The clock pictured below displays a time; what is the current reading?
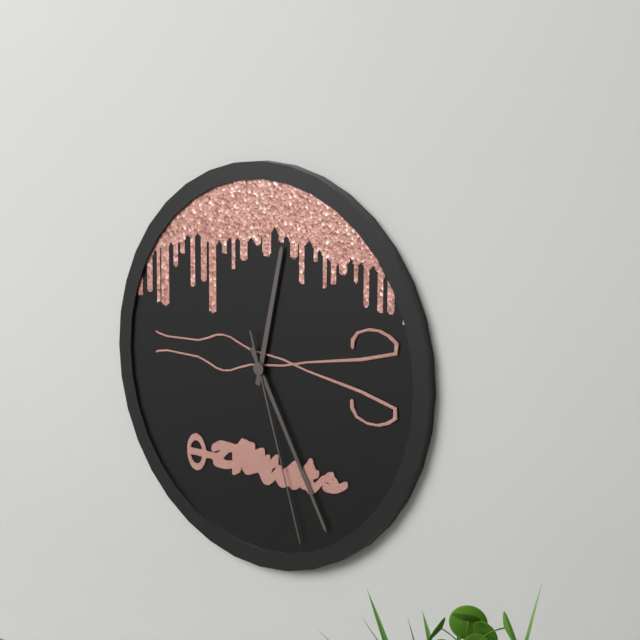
12:25:27
